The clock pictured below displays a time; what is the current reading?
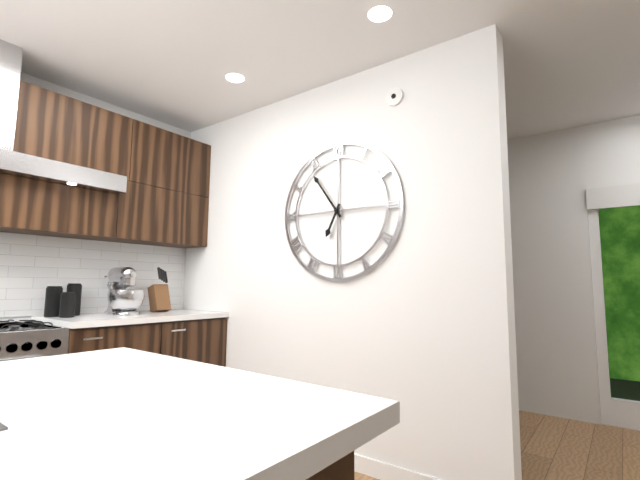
6:54
